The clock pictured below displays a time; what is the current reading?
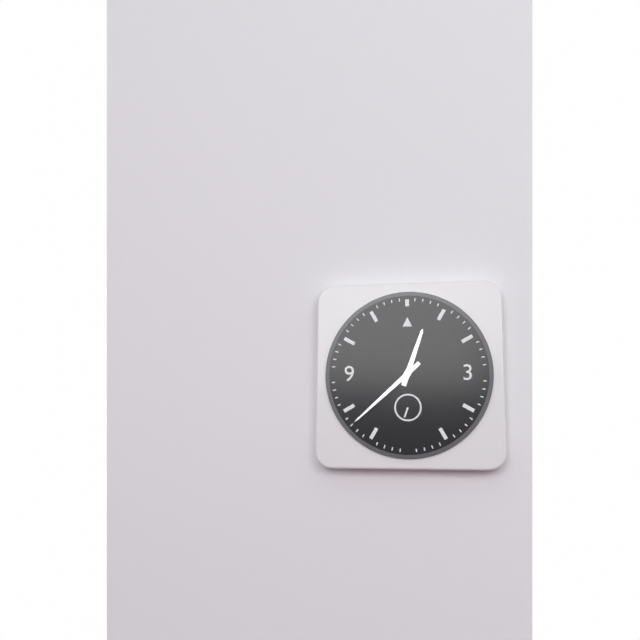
12:38
